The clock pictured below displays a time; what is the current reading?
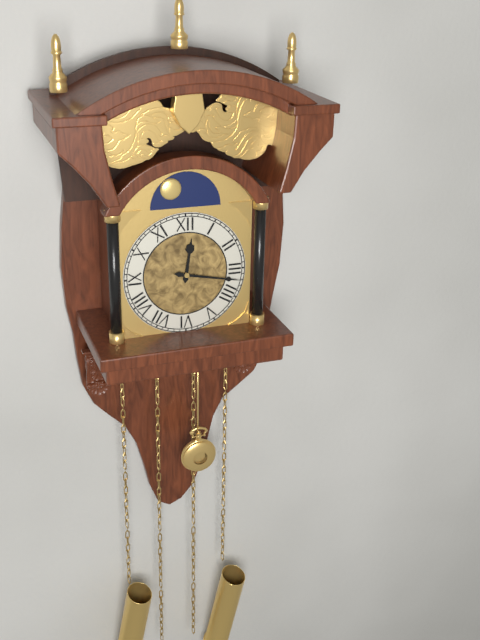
12:17
